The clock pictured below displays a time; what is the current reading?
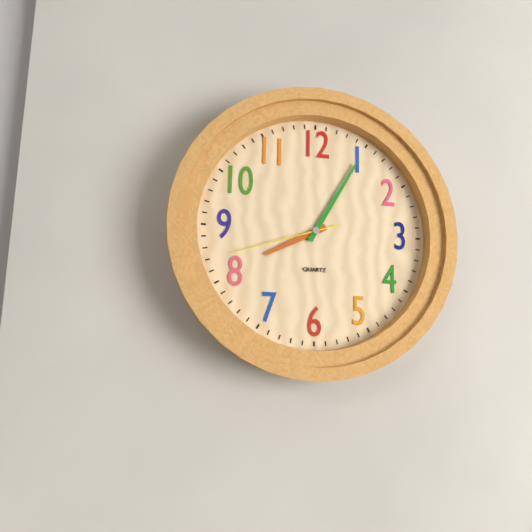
8:05:42
